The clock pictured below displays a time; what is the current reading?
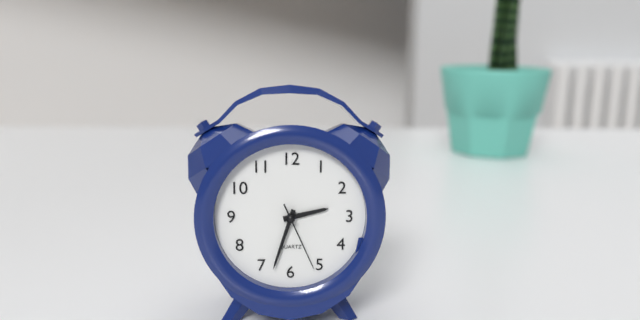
2:33:26
